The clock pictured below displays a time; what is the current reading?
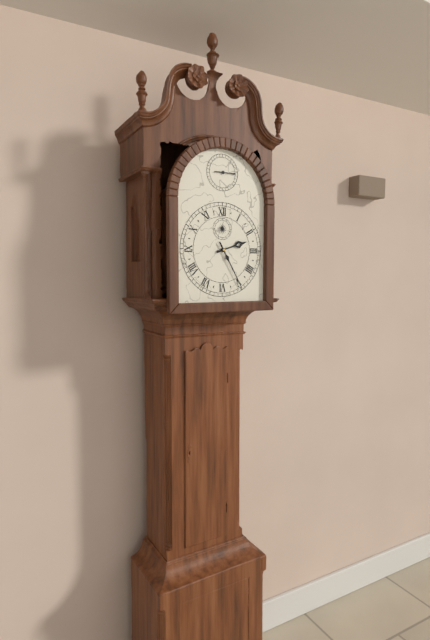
2:25
